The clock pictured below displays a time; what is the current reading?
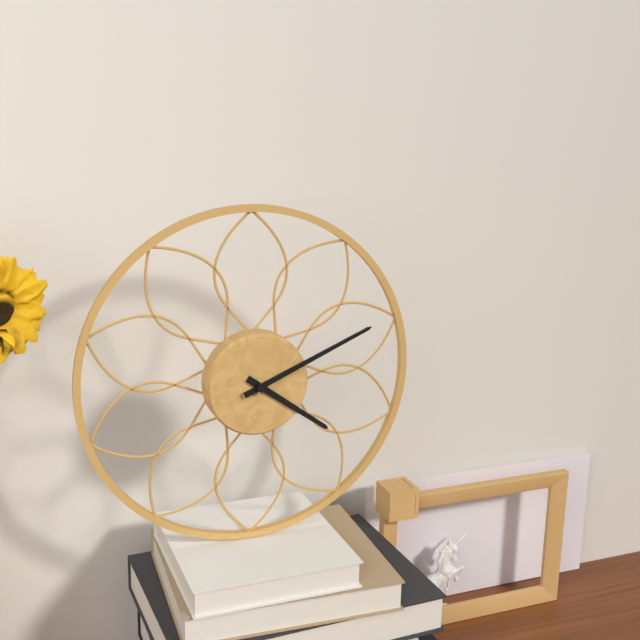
4:11
